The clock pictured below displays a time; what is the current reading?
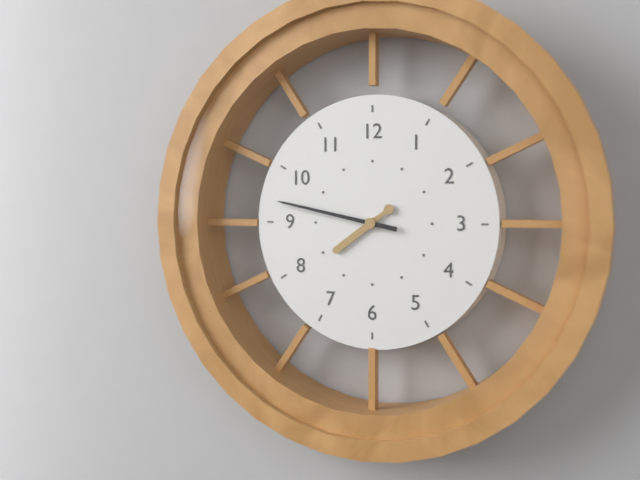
7:47
